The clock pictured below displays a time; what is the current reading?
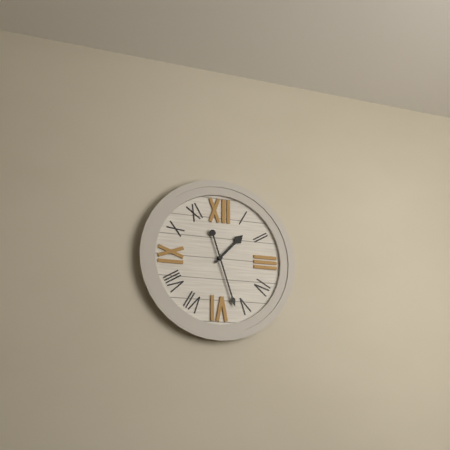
1:27
